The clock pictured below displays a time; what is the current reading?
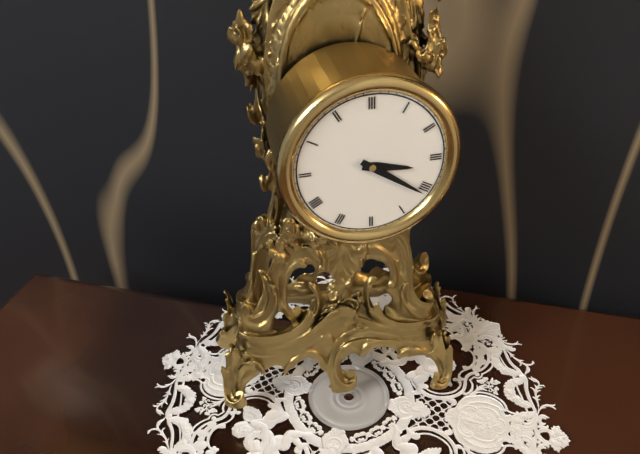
3:21
